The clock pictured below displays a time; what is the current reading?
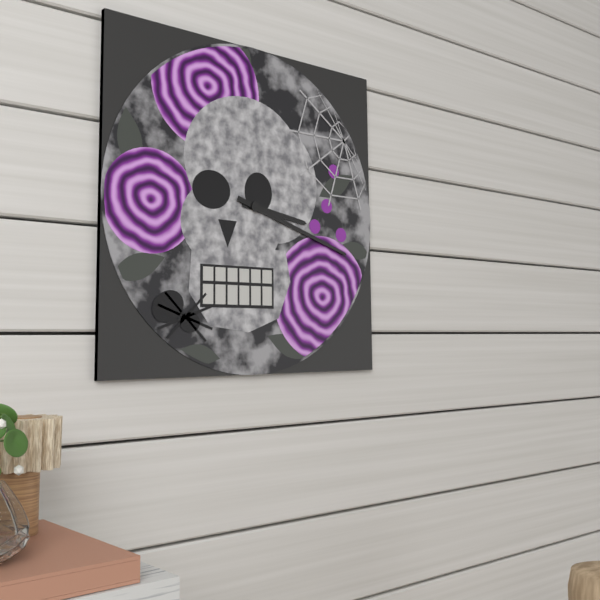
3:18
